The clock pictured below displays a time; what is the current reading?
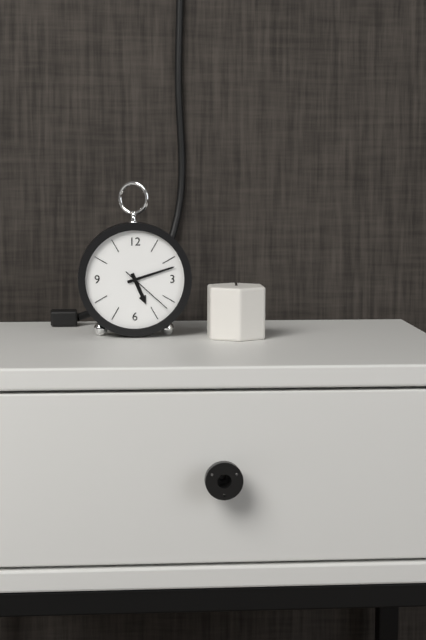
5:12:22
